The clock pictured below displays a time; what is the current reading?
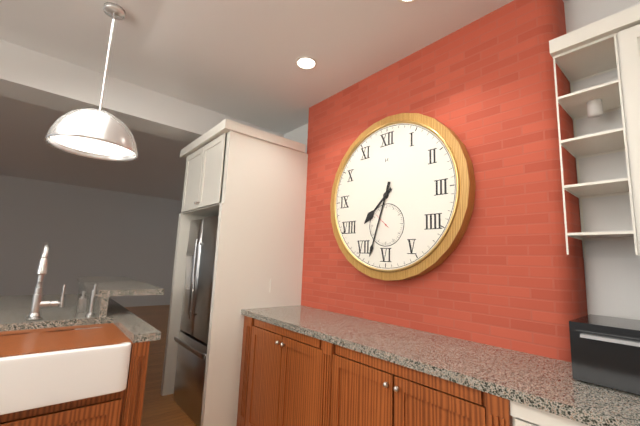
7:33
